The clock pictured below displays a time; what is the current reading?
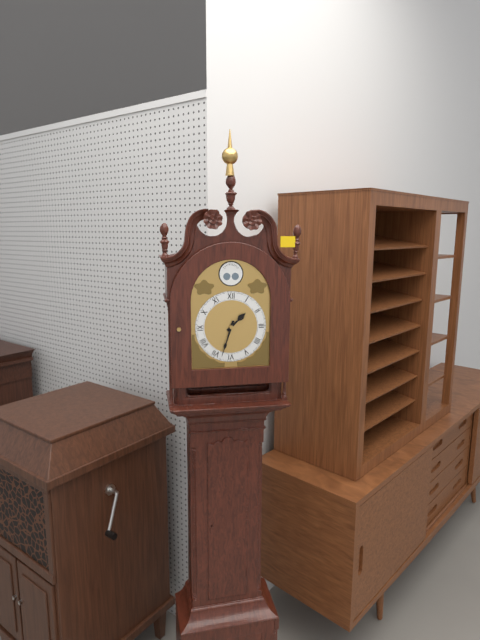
1:33
